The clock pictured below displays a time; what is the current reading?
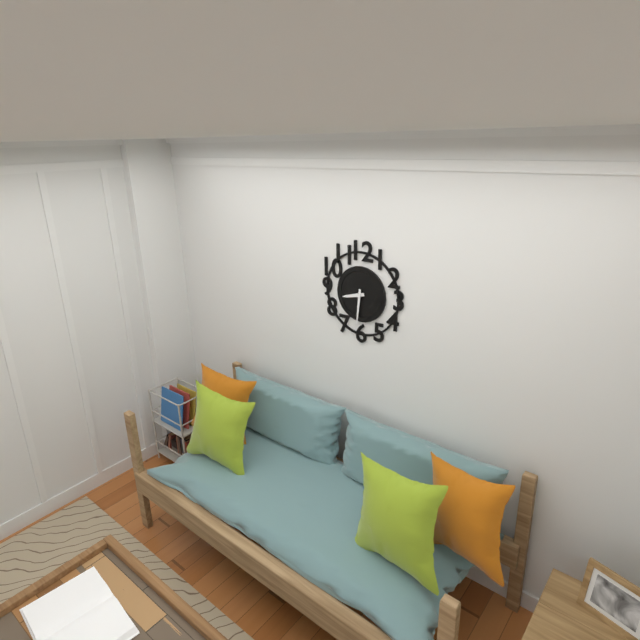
8:31
